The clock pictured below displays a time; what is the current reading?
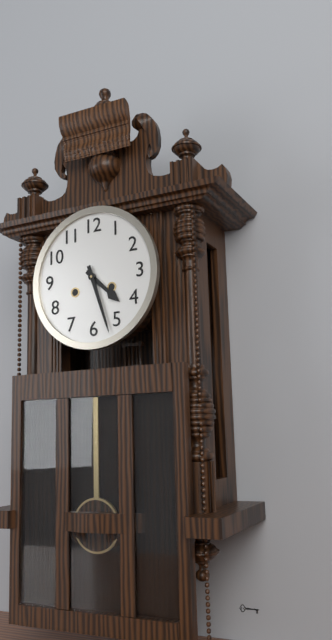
4:27
